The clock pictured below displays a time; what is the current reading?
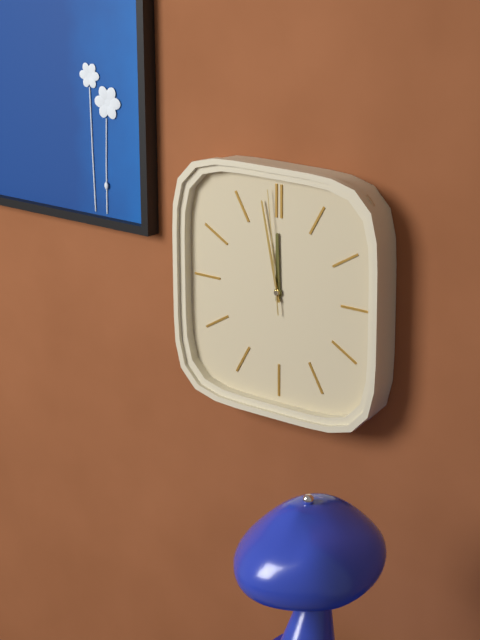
11:58:59
